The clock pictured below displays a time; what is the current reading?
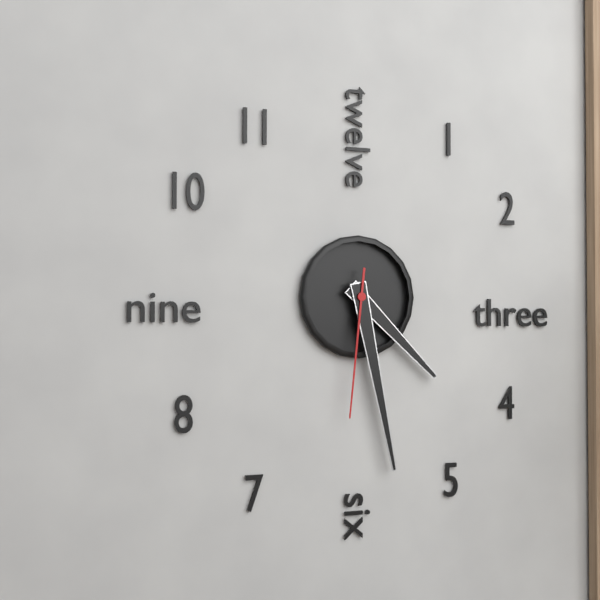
4:28:31
